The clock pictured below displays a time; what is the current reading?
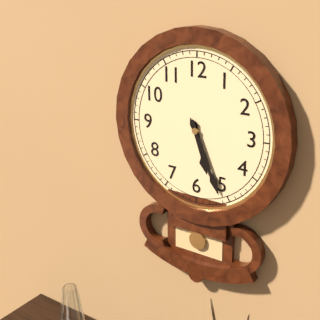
5:26
